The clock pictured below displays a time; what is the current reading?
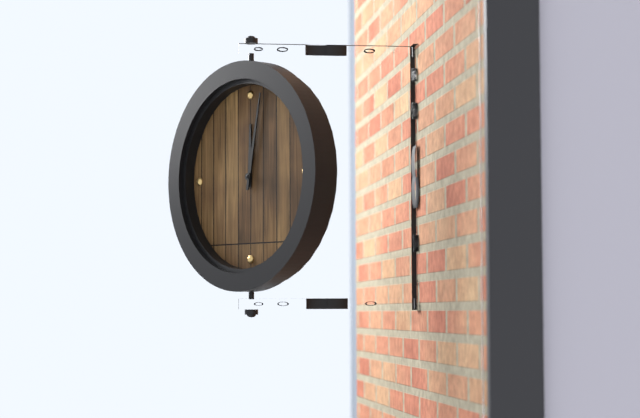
12:02
